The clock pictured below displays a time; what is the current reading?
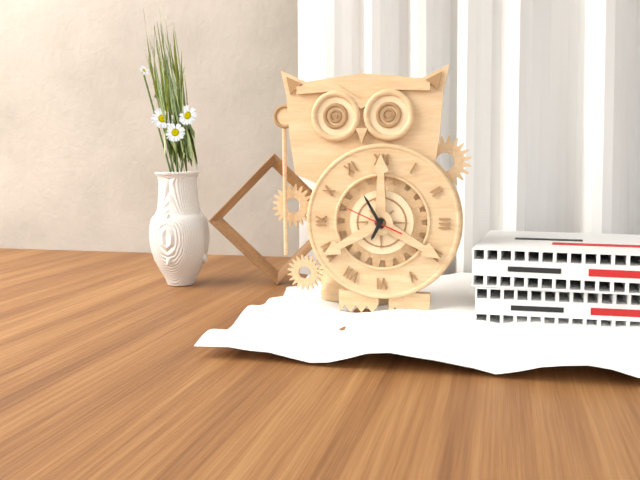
6:55
